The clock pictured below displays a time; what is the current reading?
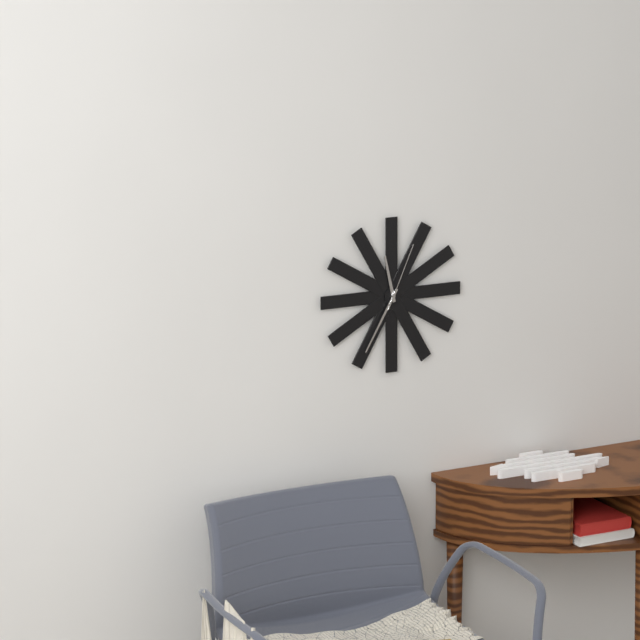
11:35:04
